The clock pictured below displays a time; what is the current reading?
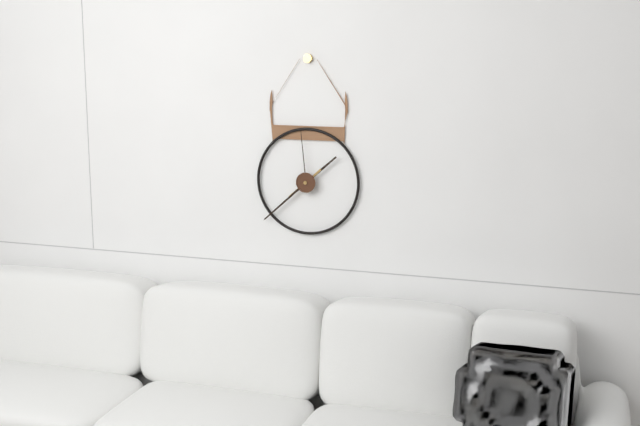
1:38:59
